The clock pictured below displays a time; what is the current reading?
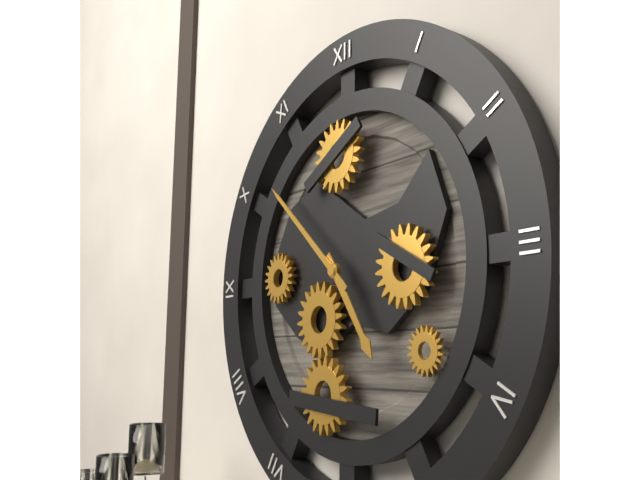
4:52
